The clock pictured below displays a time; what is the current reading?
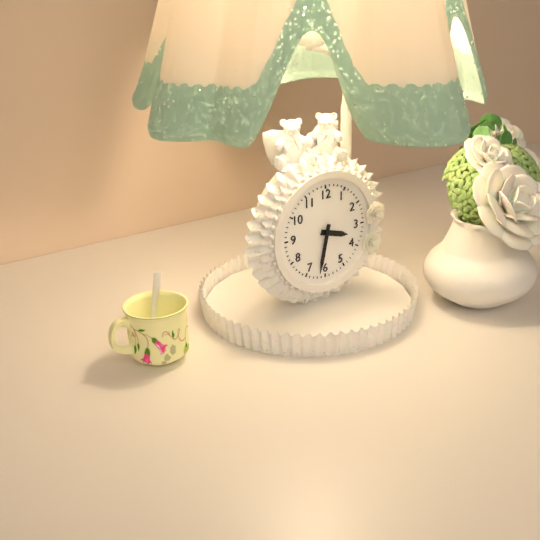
3:32
